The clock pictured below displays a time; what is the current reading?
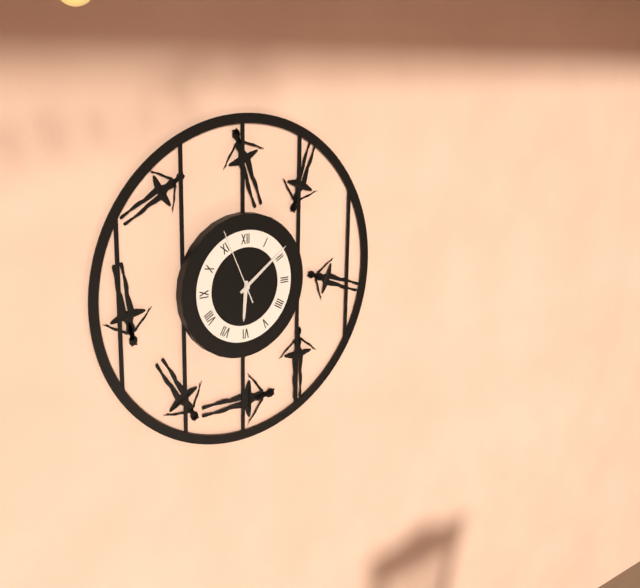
6:09:56
